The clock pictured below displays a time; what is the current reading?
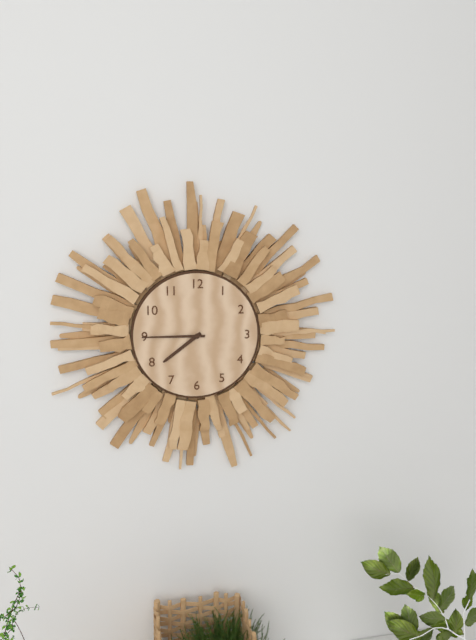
7:45
